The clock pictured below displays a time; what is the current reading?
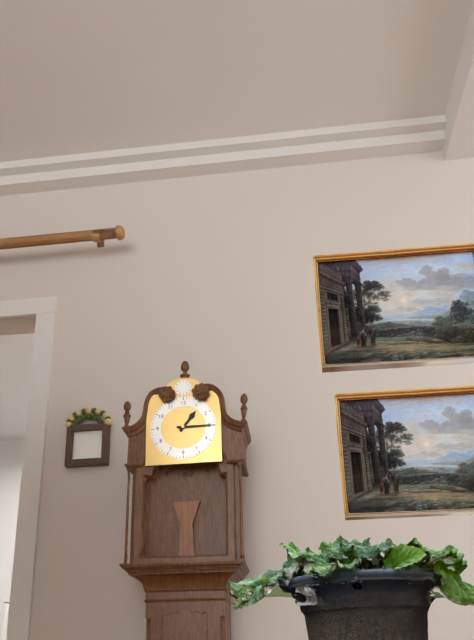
1:15
